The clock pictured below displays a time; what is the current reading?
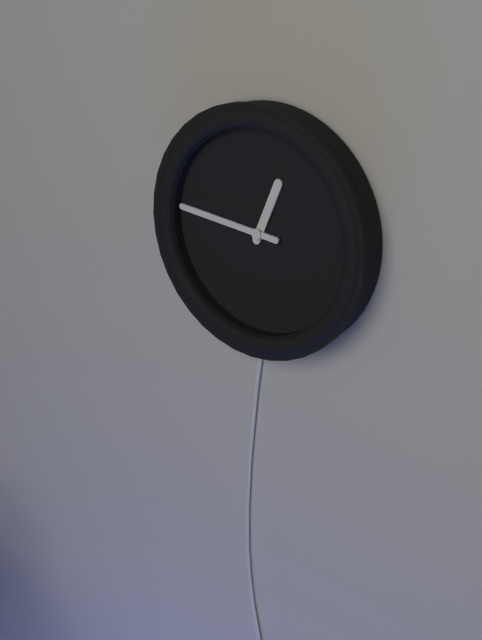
12:46
